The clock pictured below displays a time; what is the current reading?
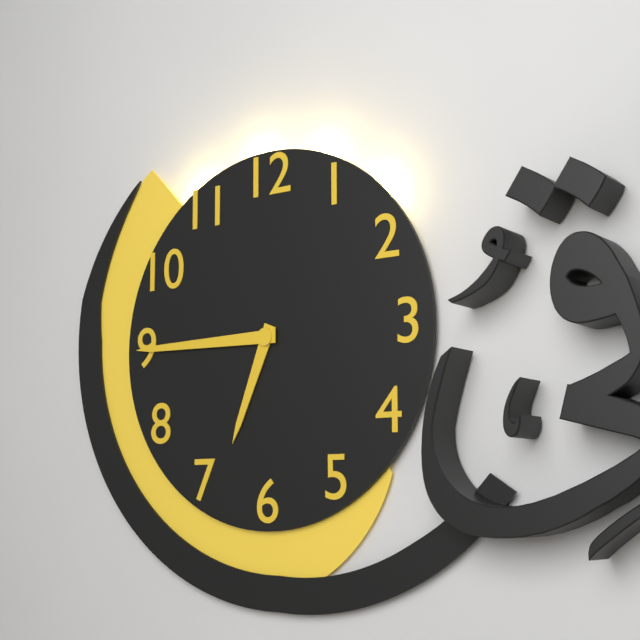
6:45
